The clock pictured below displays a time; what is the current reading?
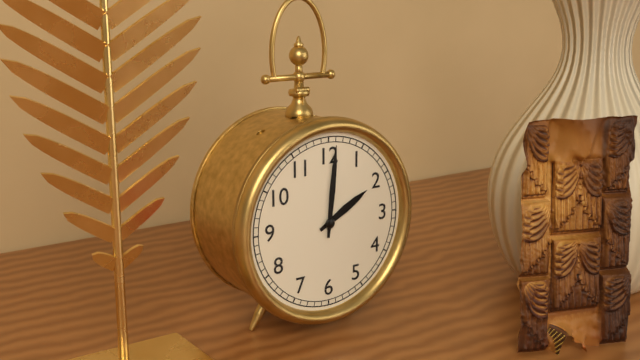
2:01
